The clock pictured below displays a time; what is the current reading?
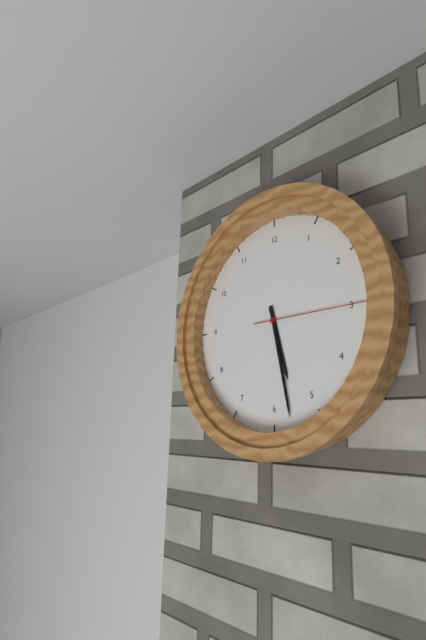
5:28:15
